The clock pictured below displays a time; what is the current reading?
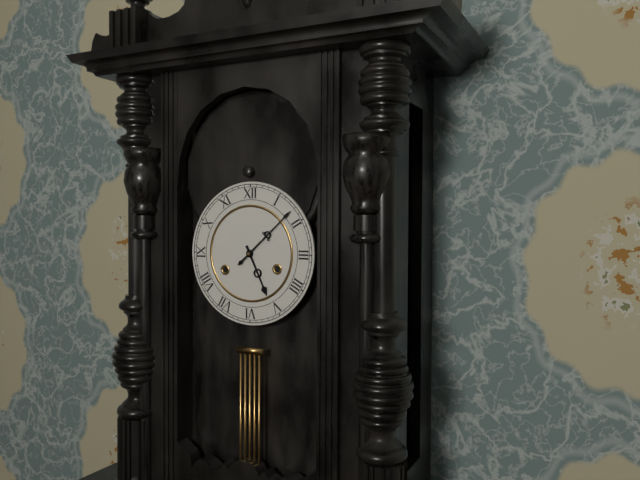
5:08
